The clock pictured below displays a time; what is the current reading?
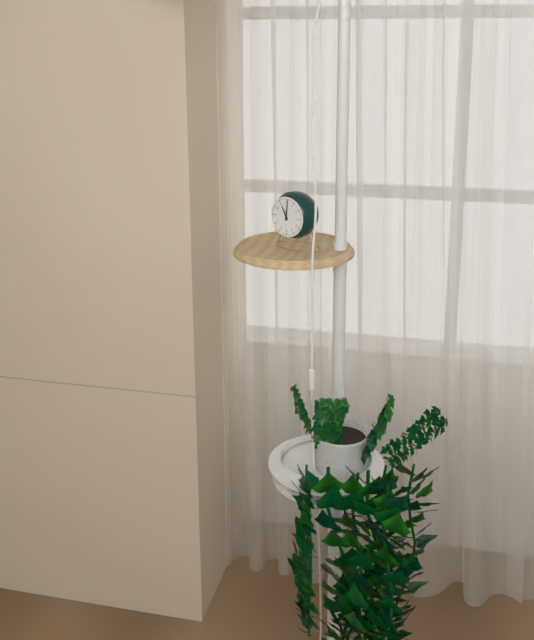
11:01
